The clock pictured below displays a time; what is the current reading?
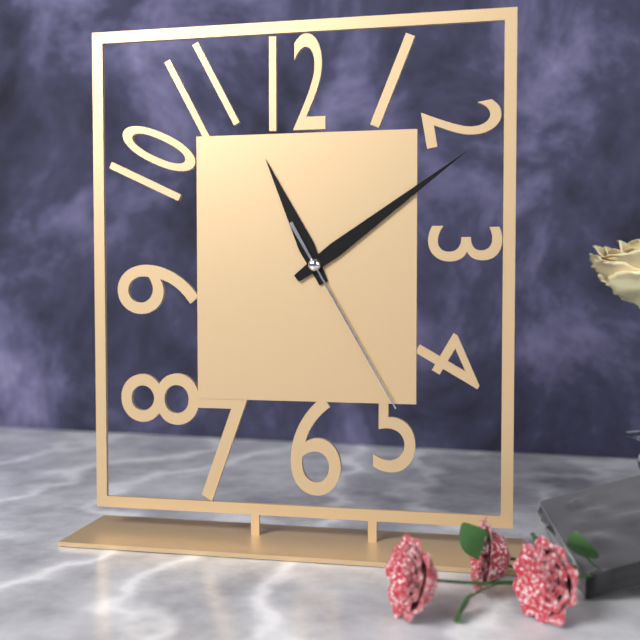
11:09:25
